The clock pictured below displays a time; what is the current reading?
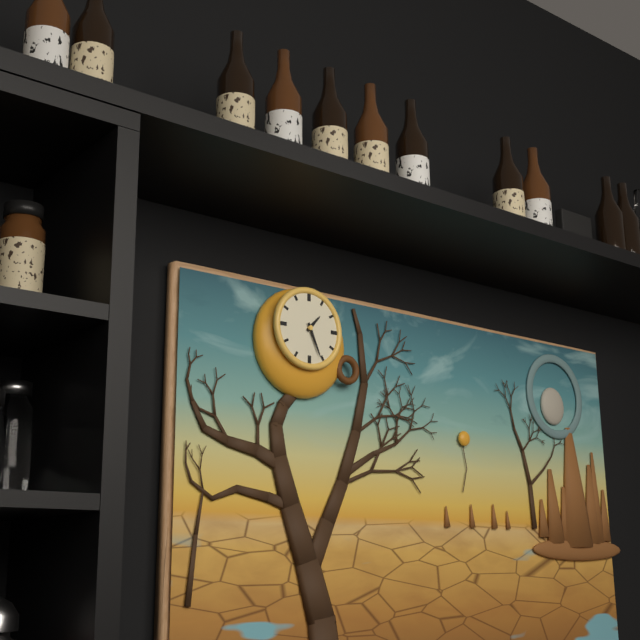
1:26
